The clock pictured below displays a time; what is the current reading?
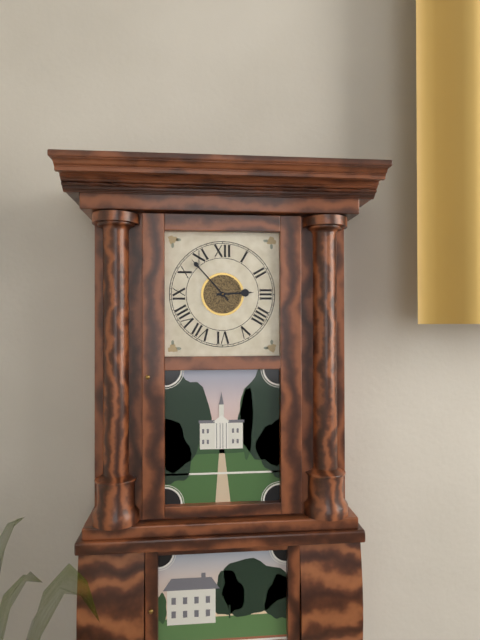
2:53
